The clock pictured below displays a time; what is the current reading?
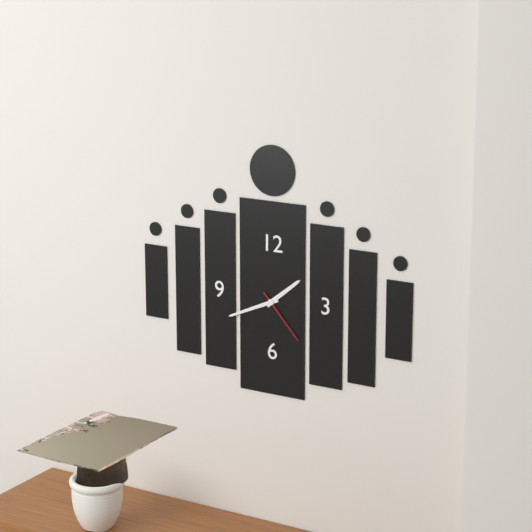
1:41:23
